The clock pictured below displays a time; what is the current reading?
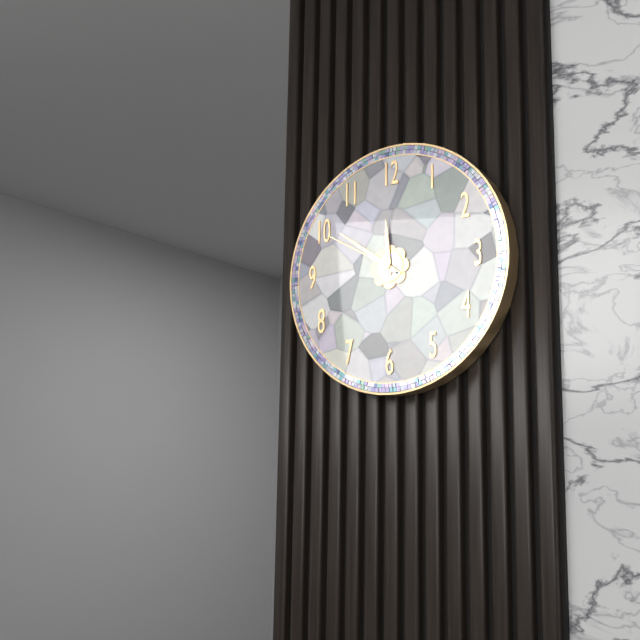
11:51:50
